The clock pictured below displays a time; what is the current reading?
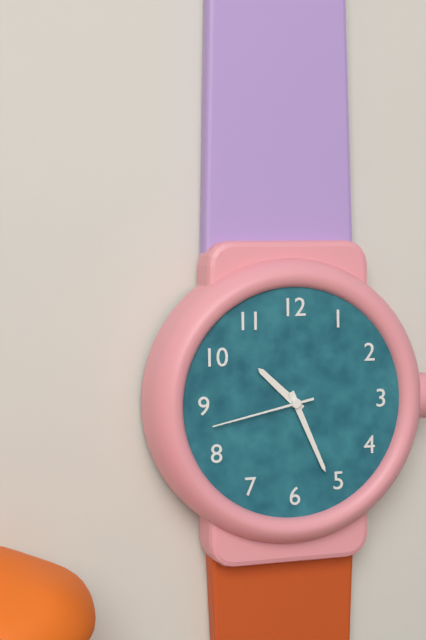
10:26:43
